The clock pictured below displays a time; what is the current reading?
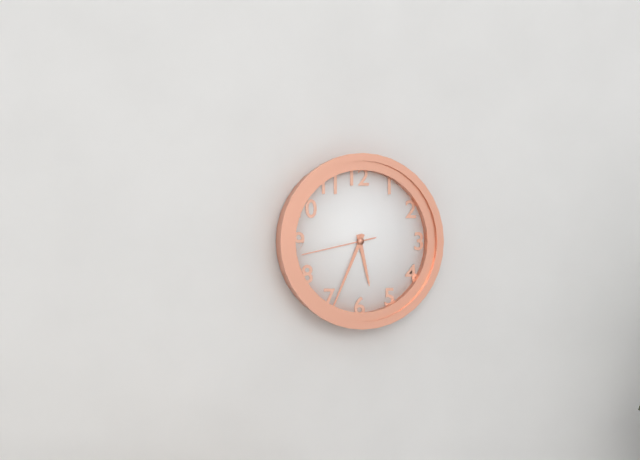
5:34:43
